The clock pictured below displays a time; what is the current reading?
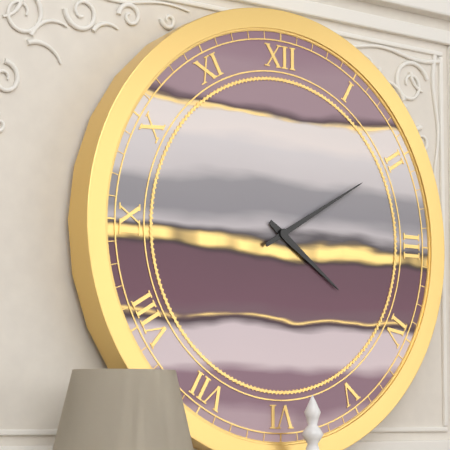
4:10
